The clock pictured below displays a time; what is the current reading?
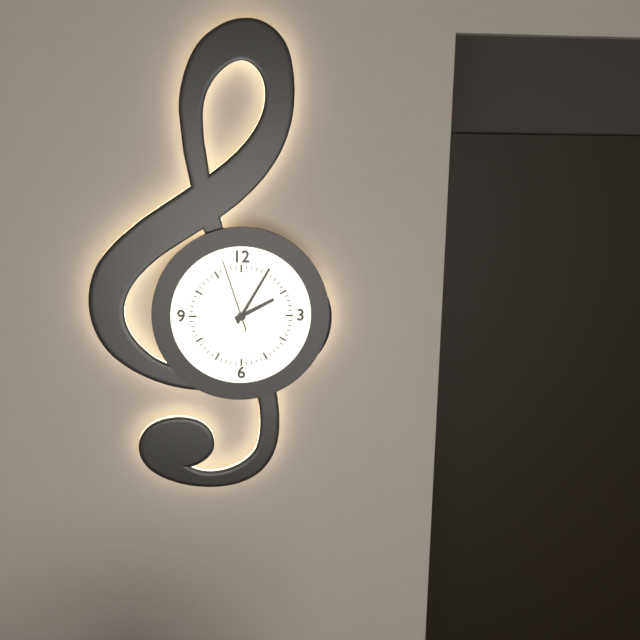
2:05:57
